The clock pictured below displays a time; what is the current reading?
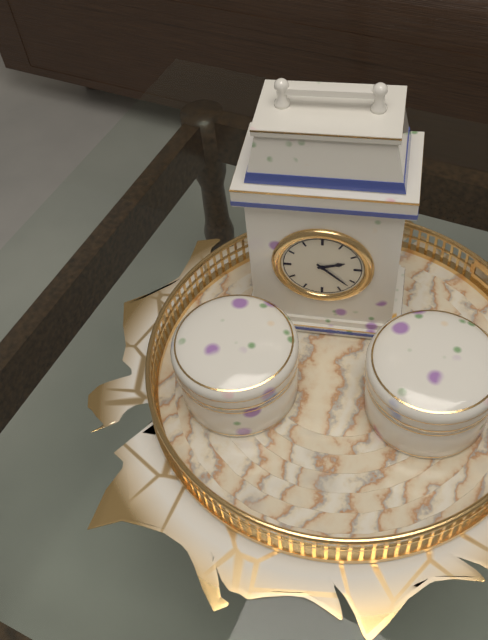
2:22
